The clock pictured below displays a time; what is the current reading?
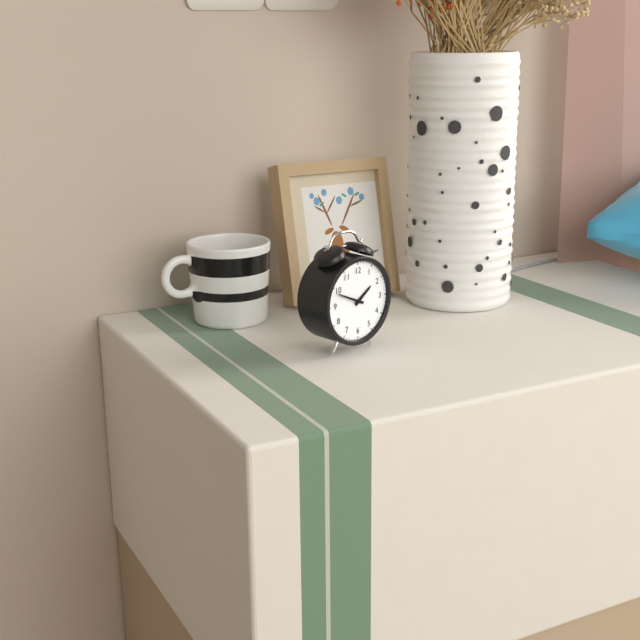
1:49
